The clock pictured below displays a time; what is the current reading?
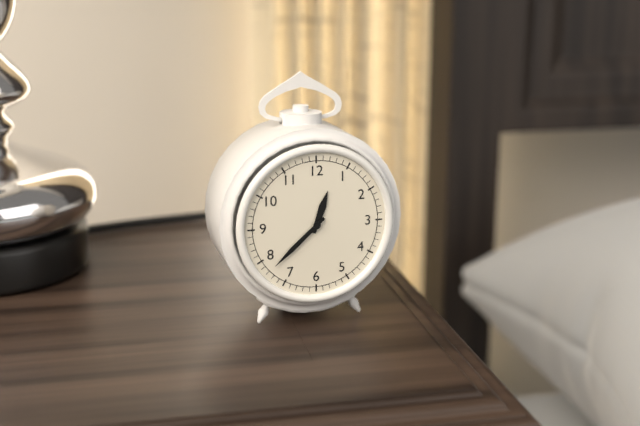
12:38
